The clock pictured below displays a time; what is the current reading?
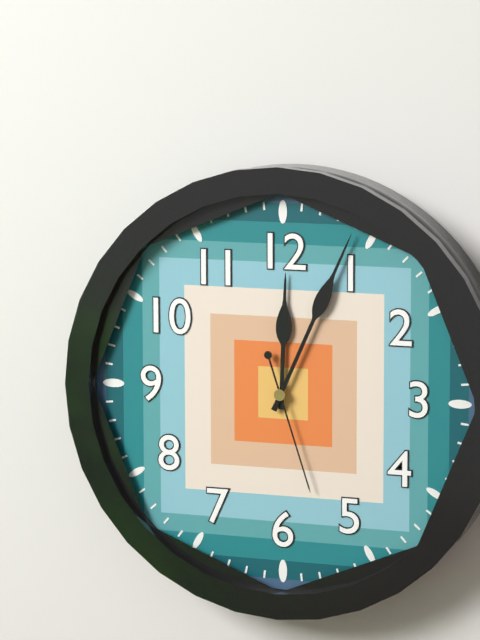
12:04:27
